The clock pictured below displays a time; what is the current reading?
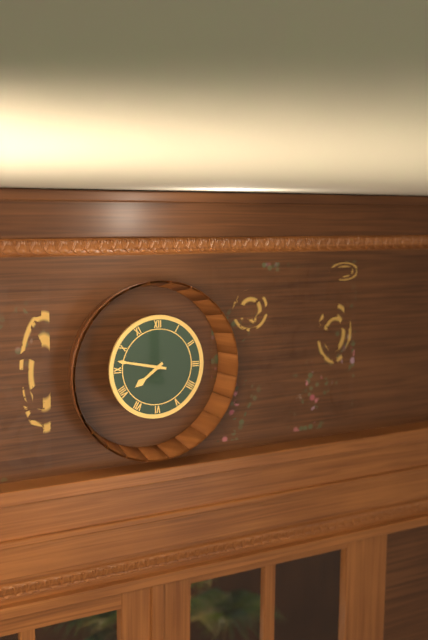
7:47
